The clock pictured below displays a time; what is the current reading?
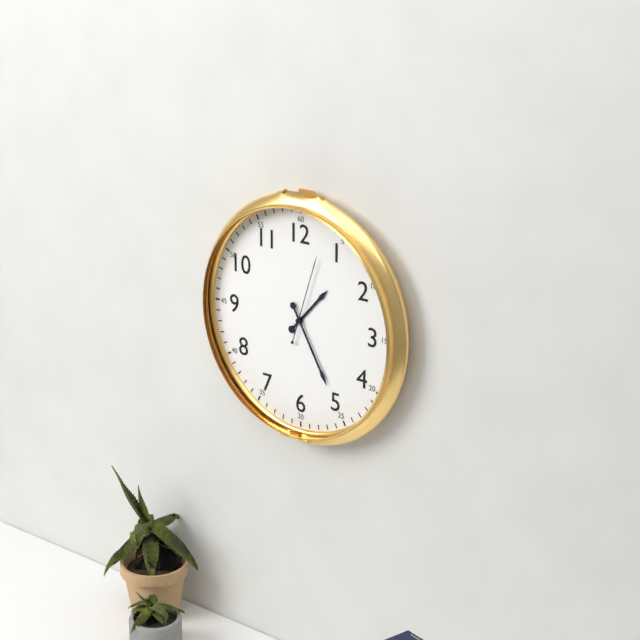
1:25:03
